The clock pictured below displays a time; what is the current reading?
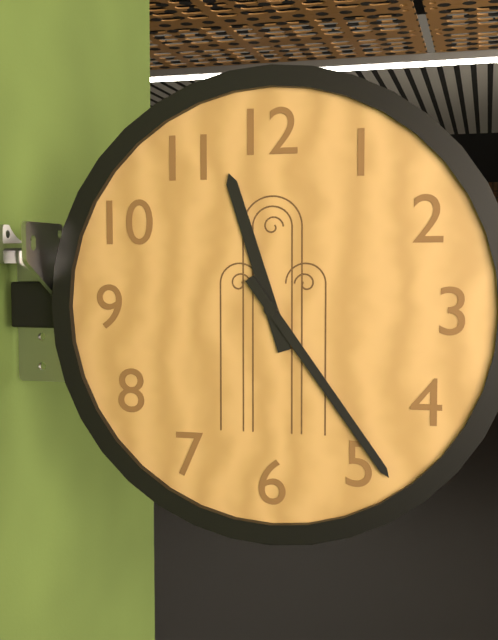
11:24
